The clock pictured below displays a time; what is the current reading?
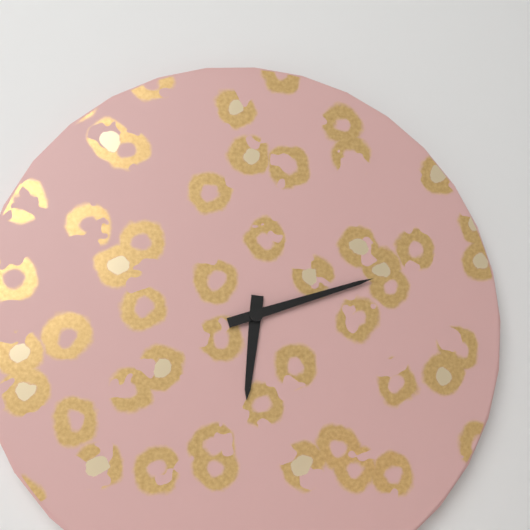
6:12
